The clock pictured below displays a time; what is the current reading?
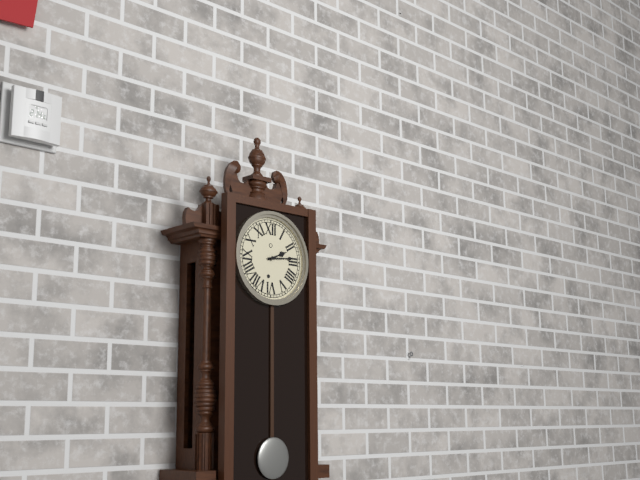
2:14
